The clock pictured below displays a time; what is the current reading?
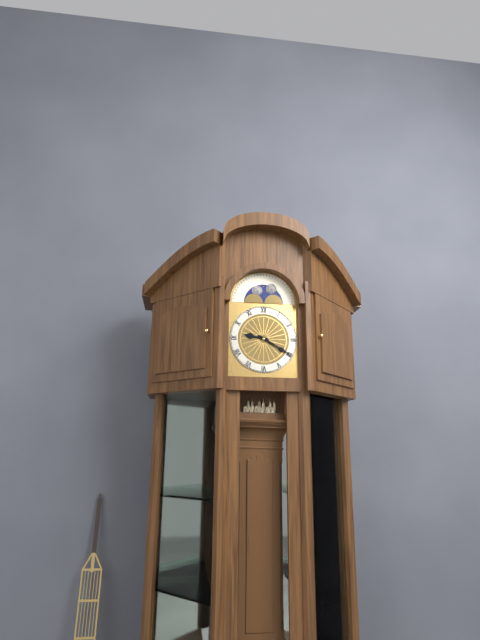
9:20
